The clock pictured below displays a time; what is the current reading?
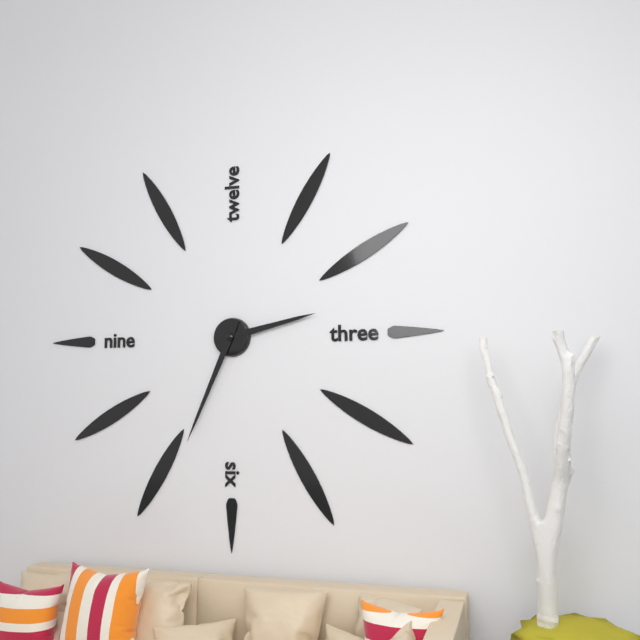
2:34
